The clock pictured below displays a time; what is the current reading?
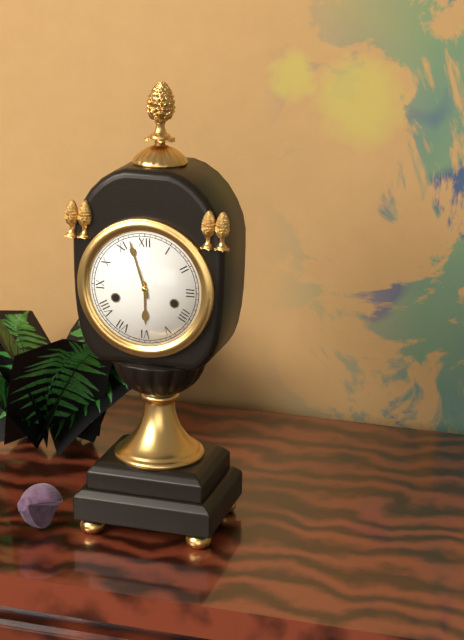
5:57
